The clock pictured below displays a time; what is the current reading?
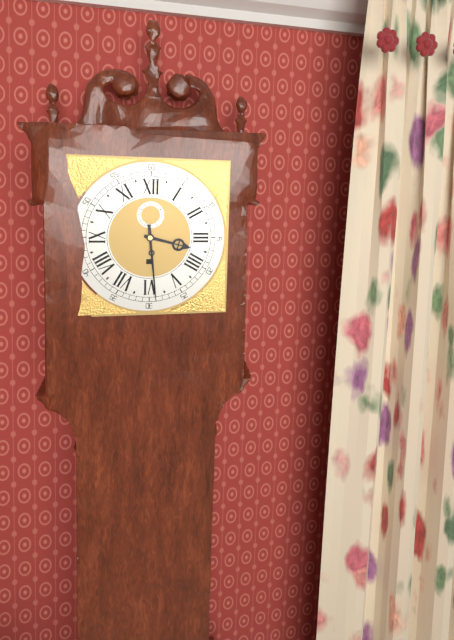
3:29
